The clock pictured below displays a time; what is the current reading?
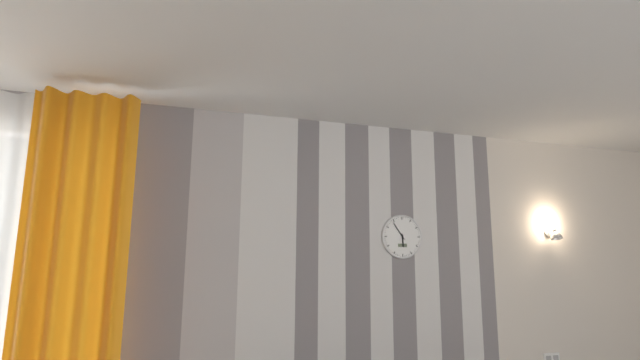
5:54
